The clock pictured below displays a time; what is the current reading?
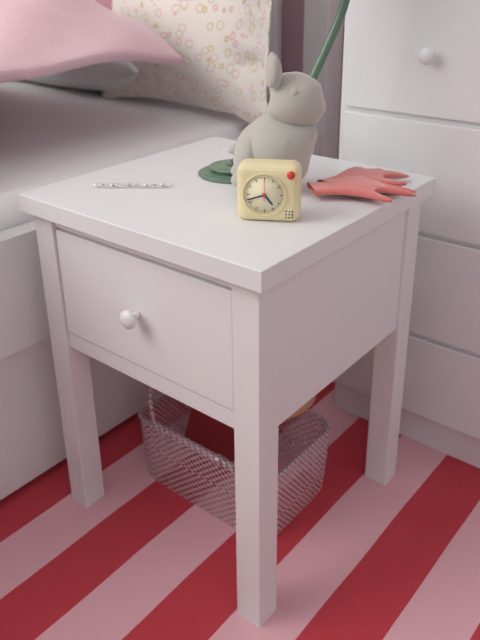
4:42
